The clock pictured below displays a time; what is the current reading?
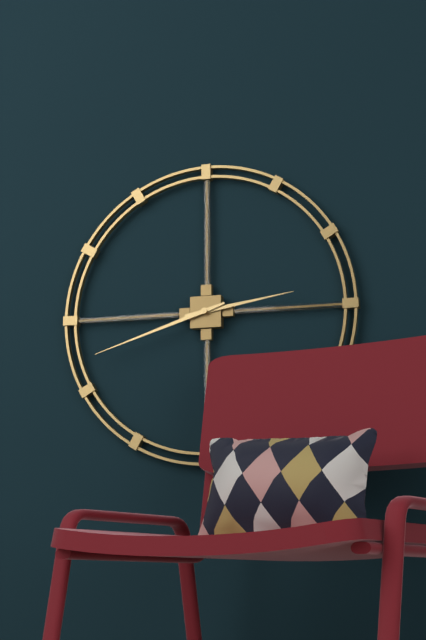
2:42
